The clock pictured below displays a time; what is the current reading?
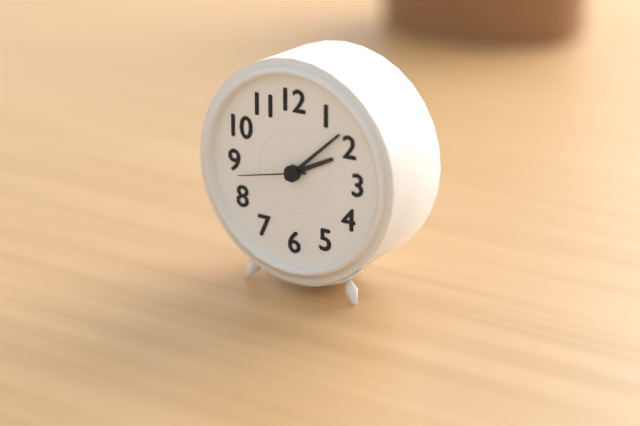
2:08:43
